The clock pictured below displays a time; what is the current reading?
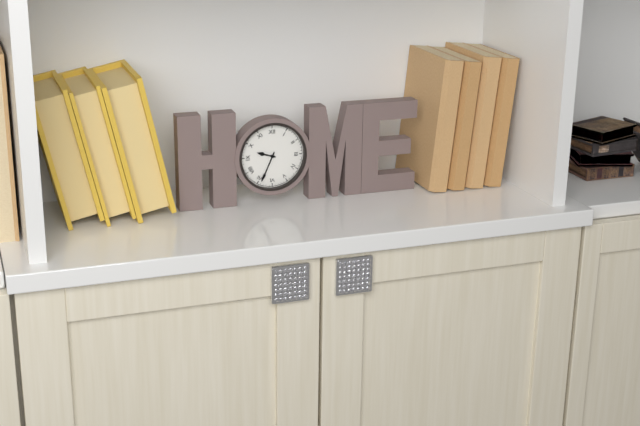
9:34
